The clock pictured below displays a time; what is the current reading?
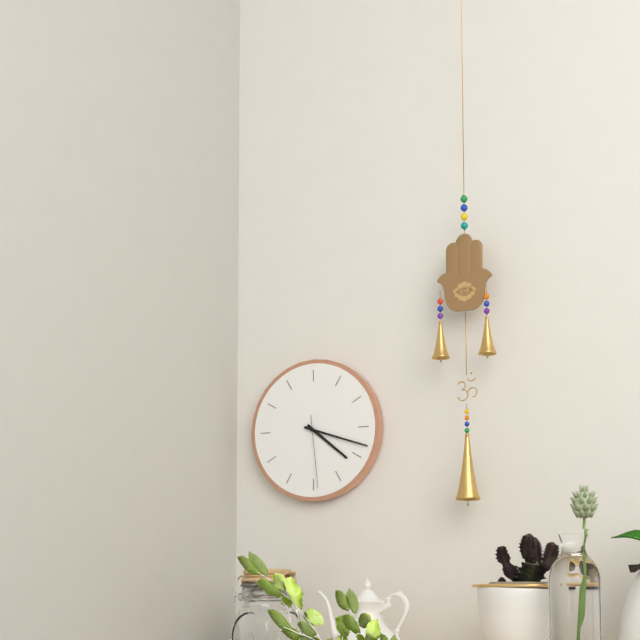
4:18:29
